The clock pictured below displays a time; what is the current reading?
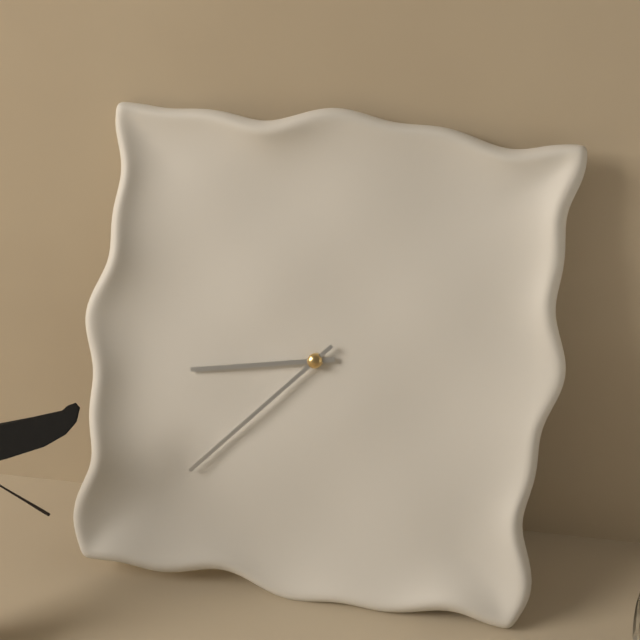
8:37
